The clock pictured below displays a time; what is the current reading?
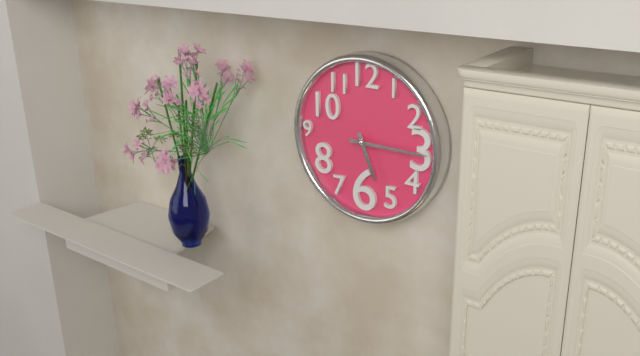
5:15
